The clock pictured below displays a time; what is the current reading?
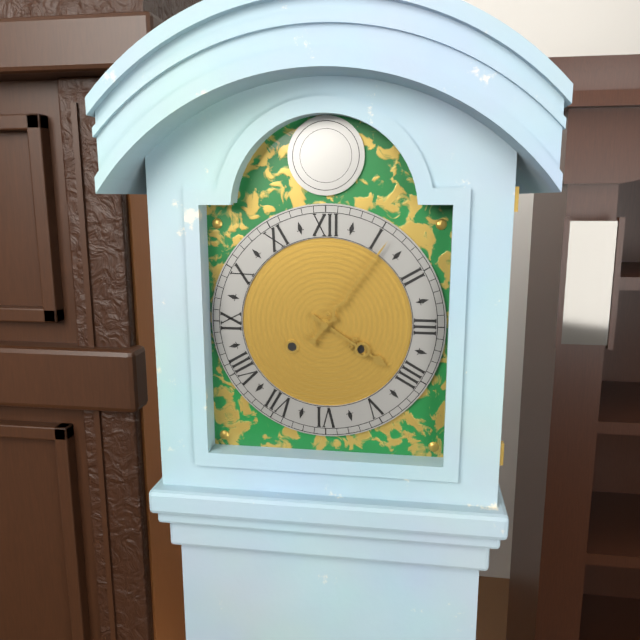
4:06
